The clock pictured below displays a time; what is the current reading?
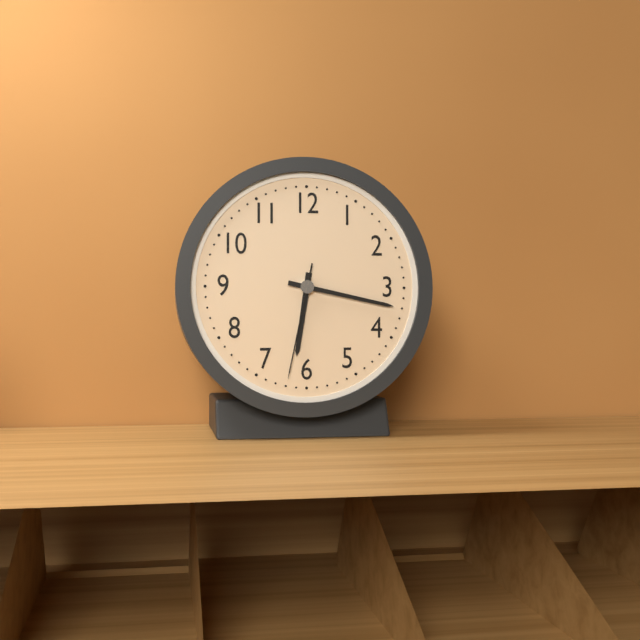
6:17:32
